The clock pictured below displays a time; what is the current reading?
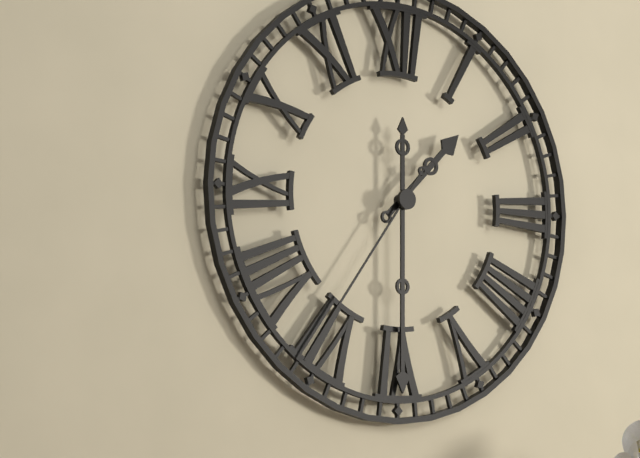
1:30:36
